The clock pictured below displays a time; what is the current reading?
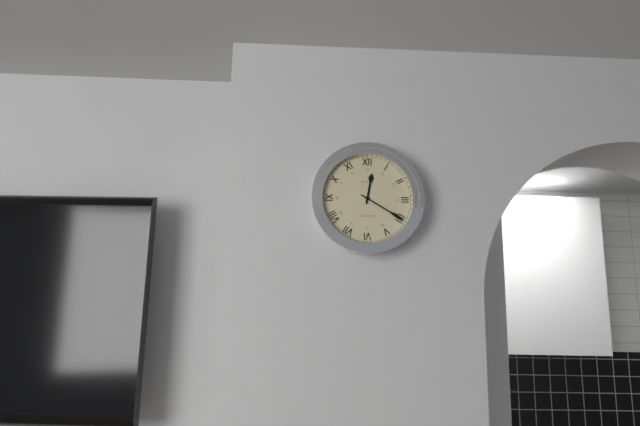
12:20
